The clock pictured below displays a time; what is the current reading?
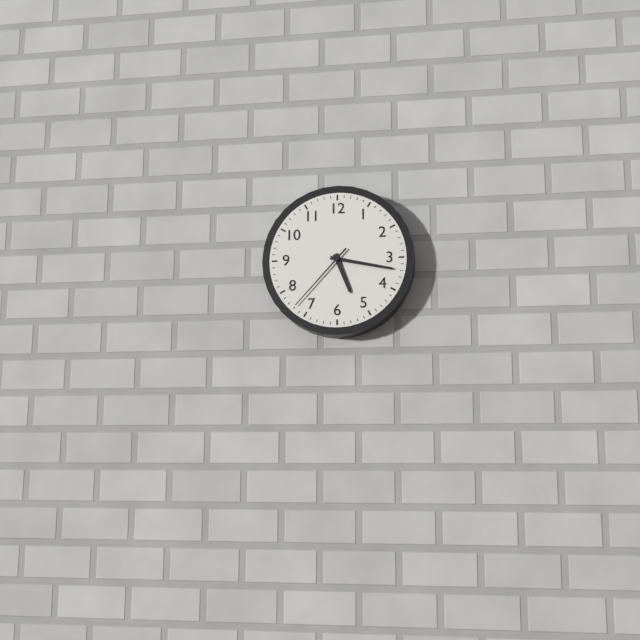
5:17:37
